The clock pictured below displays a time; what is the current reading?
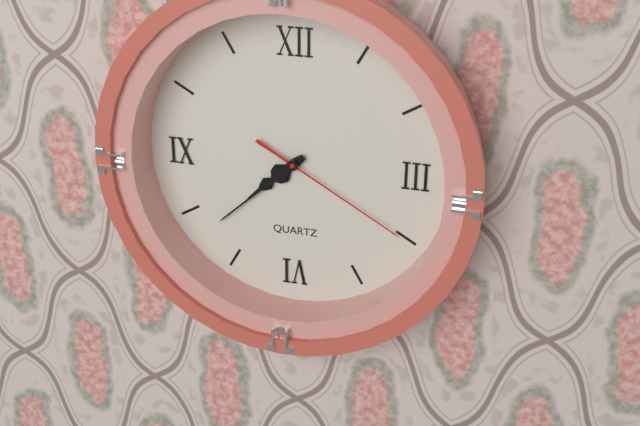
7:38:20
